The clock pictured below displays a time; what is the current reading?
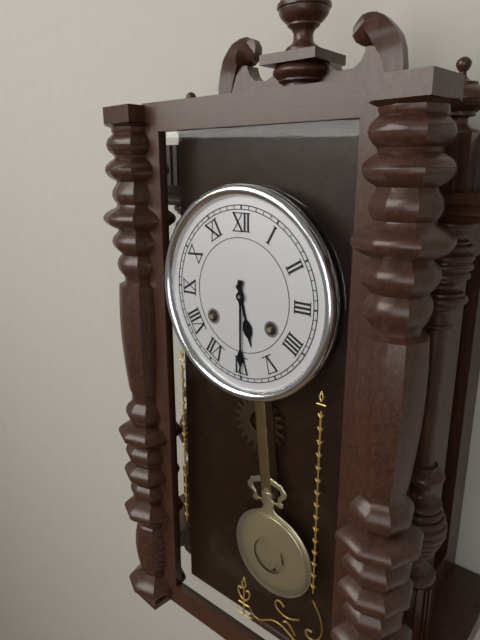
5:30
